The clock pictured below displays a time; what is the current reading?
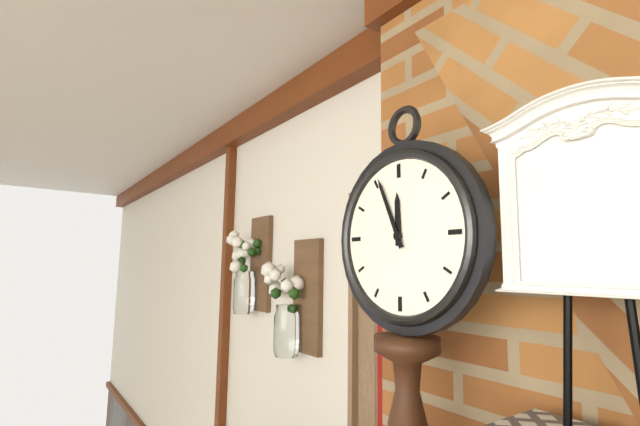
11:56
